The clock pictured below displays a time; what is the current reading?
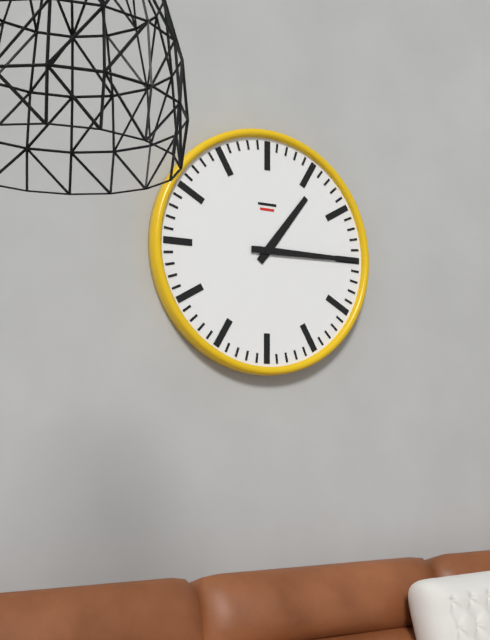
1:15
